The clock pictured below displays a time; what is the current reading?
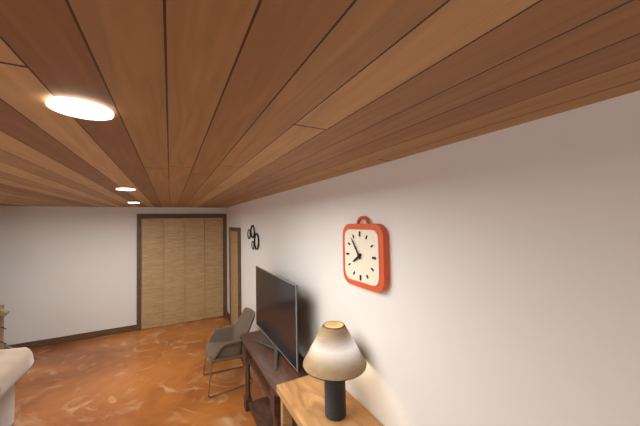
7:54
